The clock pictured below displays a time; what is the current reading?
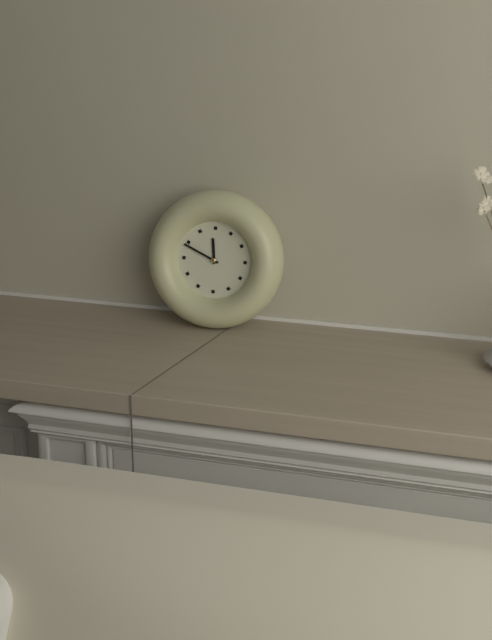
11:49
